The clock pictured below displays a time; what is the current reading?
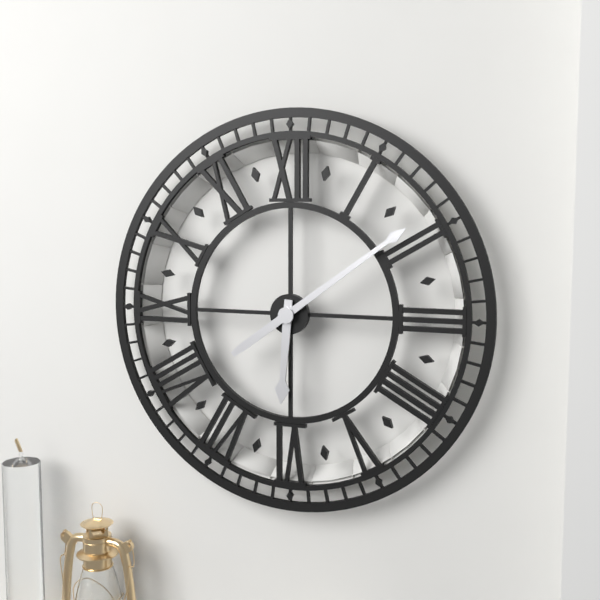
6:09
